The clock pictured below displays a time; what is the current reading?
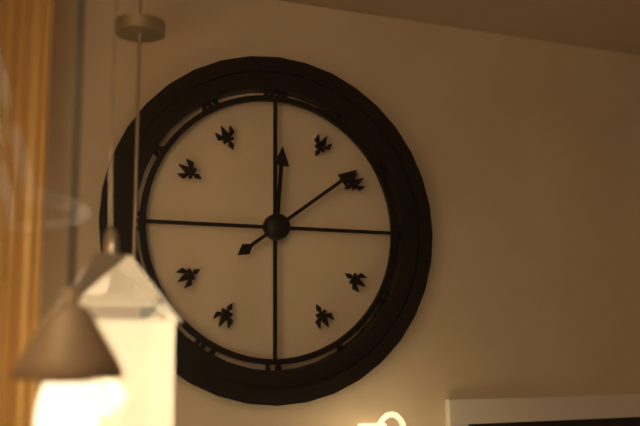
12:09
